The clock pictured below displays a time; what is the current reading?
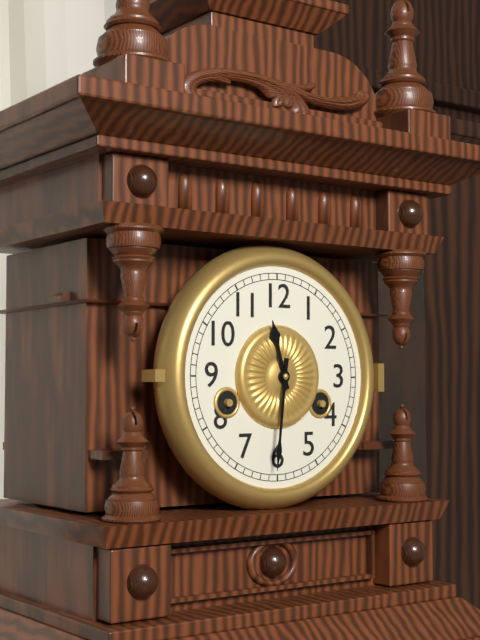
11:31
